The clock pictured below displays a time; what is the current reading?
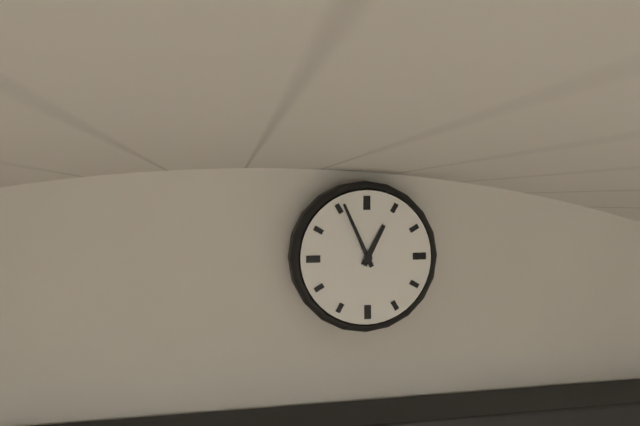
12:56
